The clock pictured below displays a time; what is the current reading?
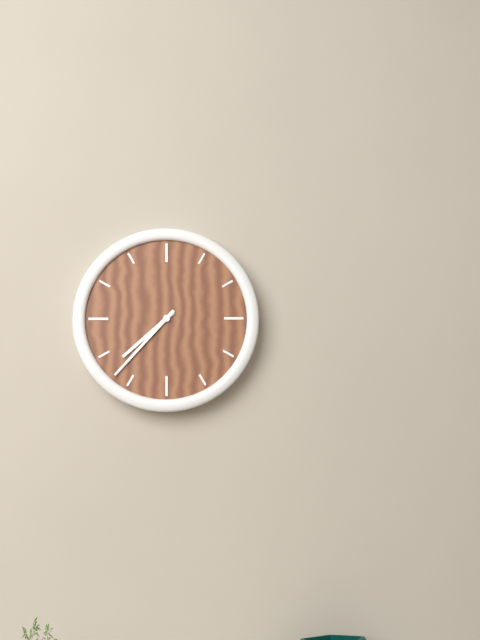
7:37
